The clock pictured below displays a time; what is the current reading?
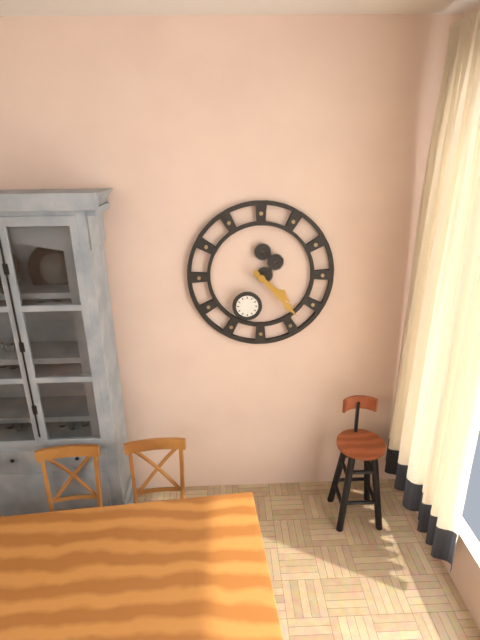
4:23
